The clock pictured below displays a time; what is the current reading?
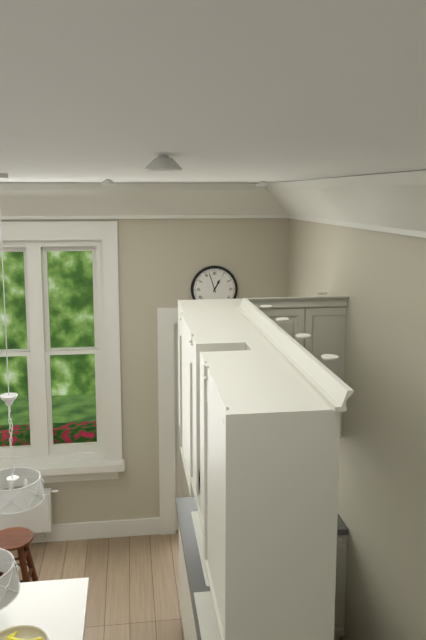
12:57
